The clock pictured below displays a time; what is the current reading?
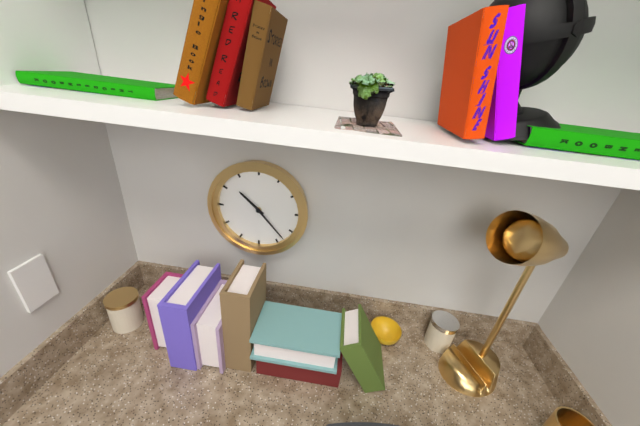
10:23
